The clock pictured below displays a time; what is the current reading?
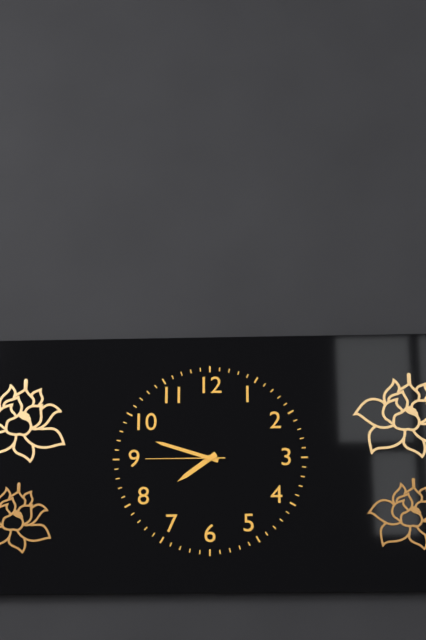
7:48:45
